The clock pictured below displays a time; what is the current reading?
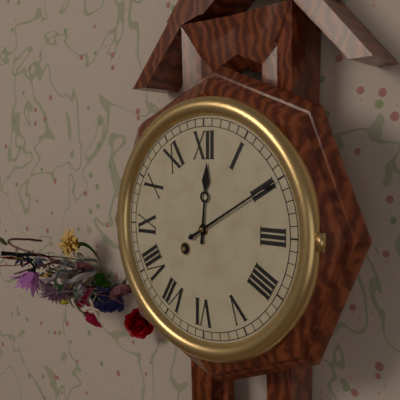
12:10
